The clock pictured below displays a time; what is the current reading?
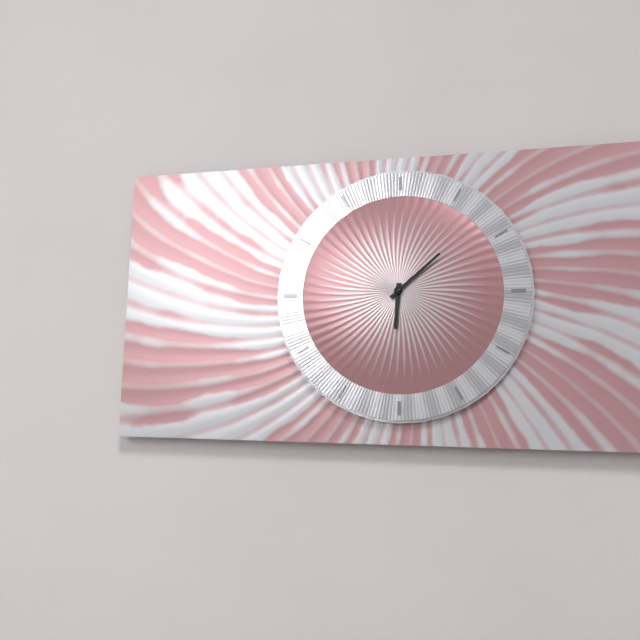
6:08
